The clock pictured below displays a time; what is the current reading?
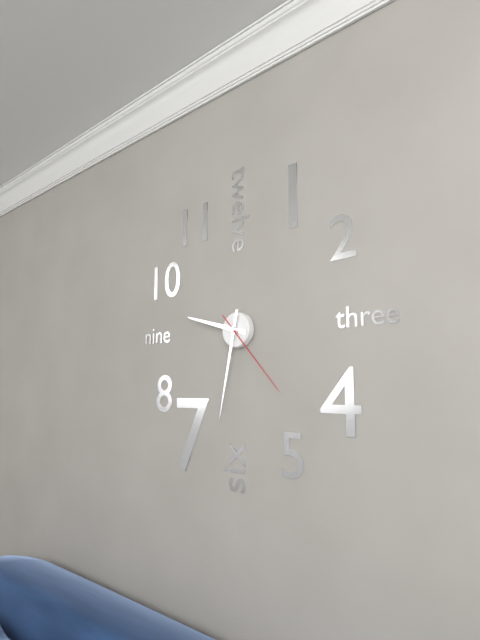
9:32:23
